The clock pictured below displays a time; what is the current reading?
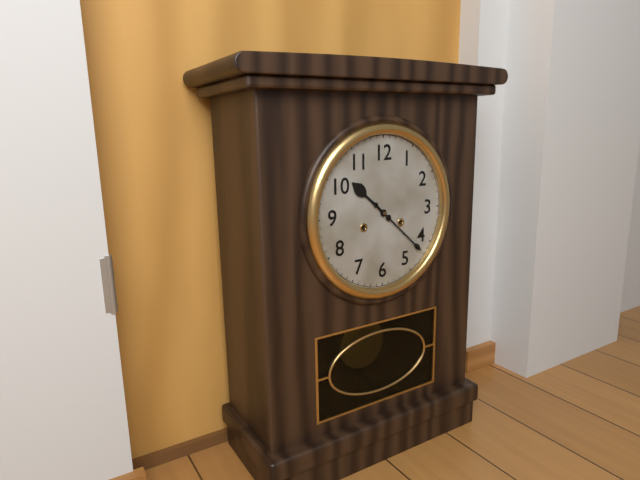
10:22
